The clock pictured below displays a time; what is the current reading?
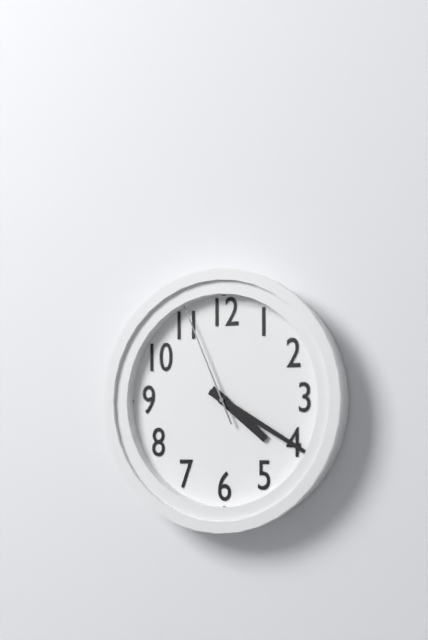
4:20:56
